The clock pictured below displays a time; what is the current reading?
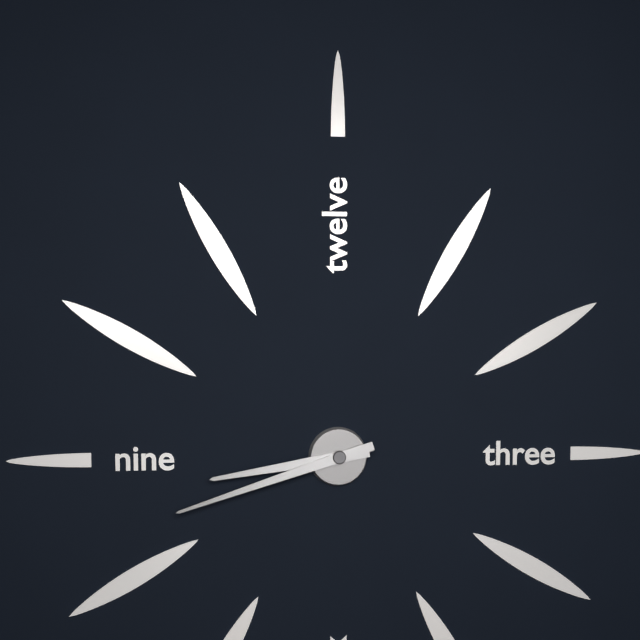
8:42
